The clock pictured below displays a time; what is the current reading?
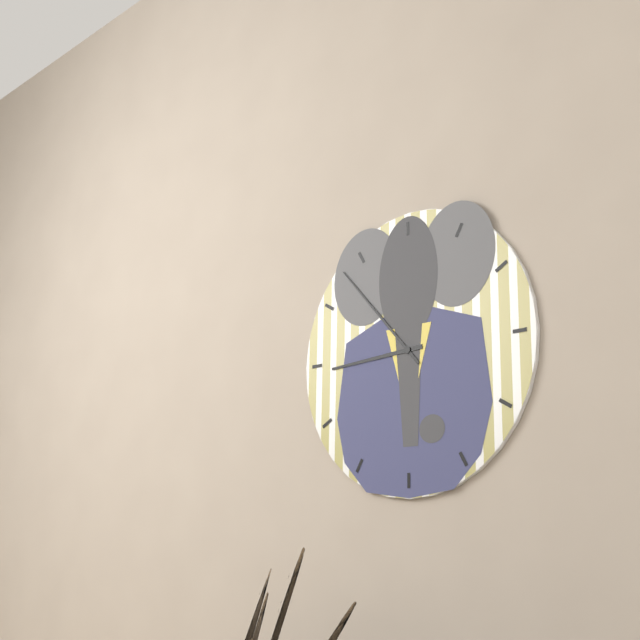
8:53
